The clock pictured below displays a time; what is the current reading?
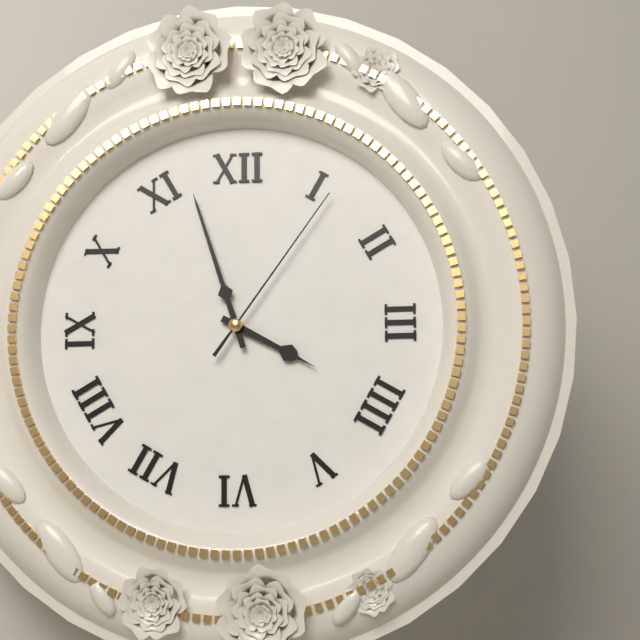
3:57:06
